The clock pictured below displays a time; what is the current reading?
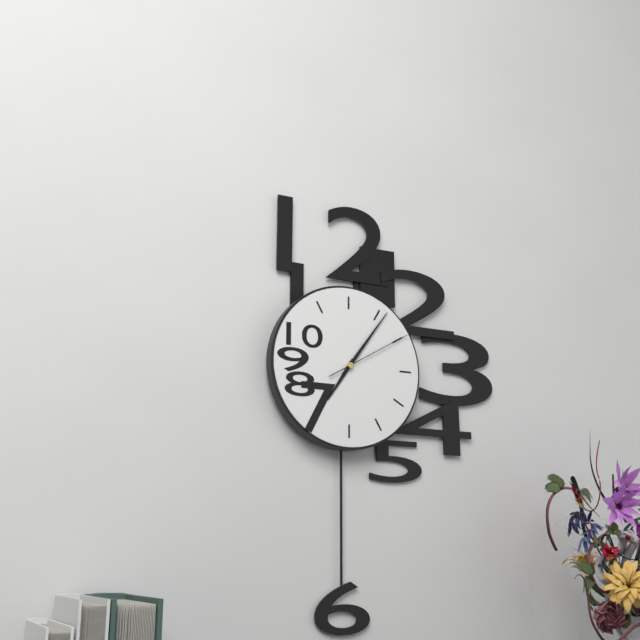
7:06:10
